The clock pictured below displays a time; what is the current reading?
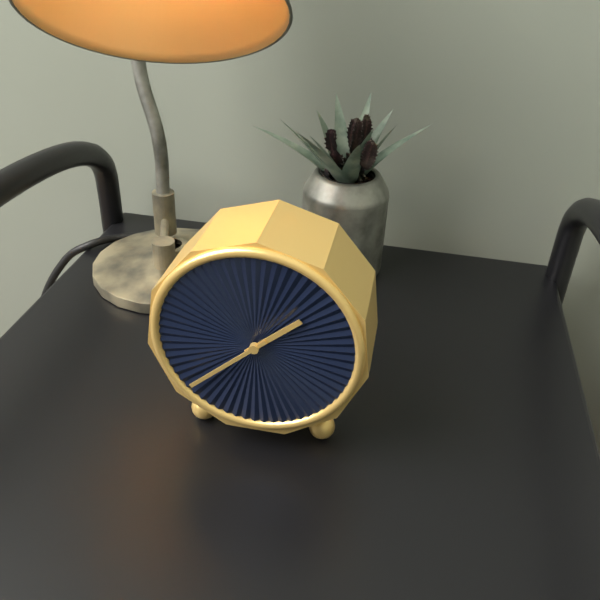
1:38
